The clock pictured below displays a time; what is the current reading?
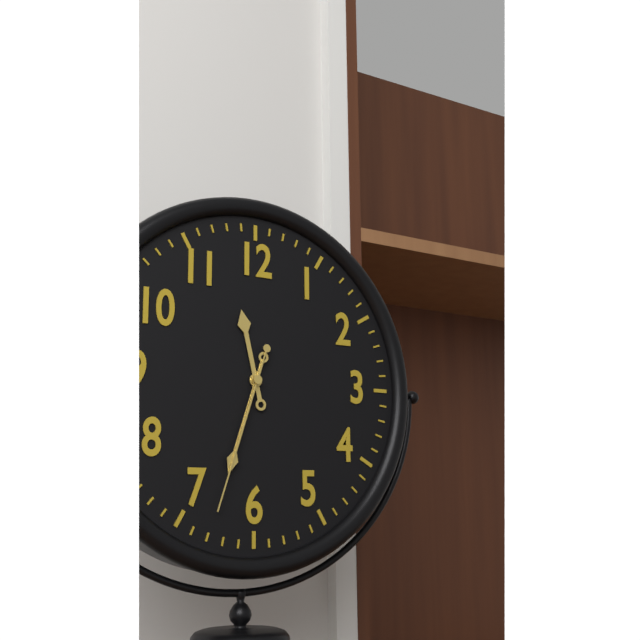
11:33:33
